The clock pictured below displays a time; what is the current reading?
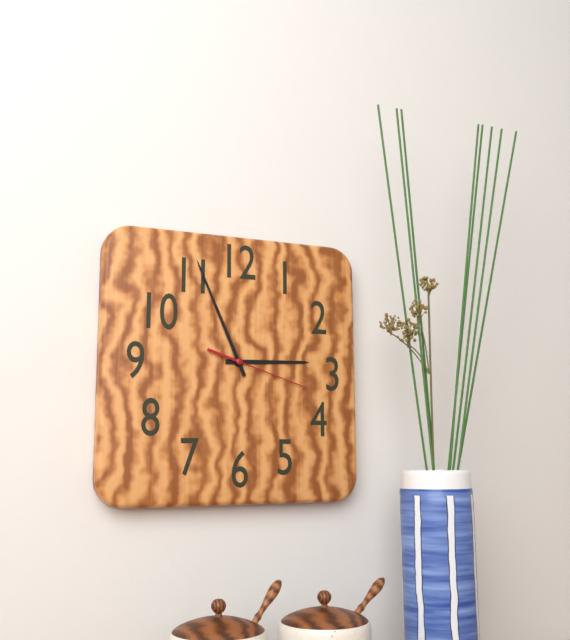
2:56:18
